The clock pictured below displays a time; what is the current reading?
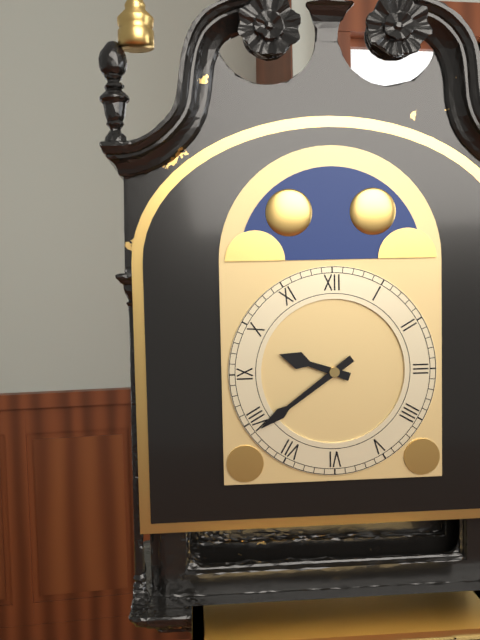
9:39
